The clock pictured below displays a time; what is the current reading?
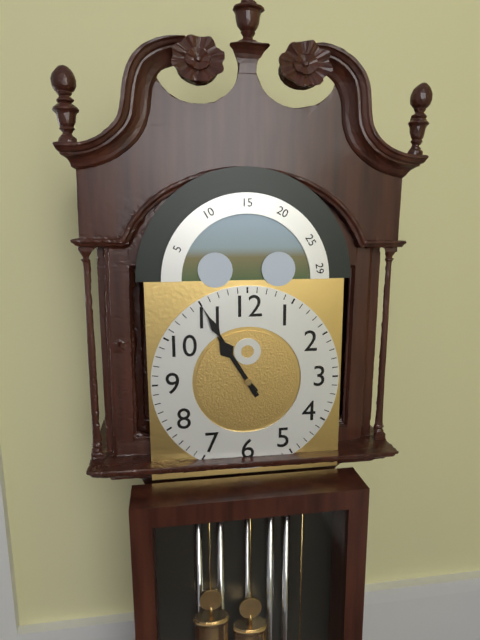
10:55
